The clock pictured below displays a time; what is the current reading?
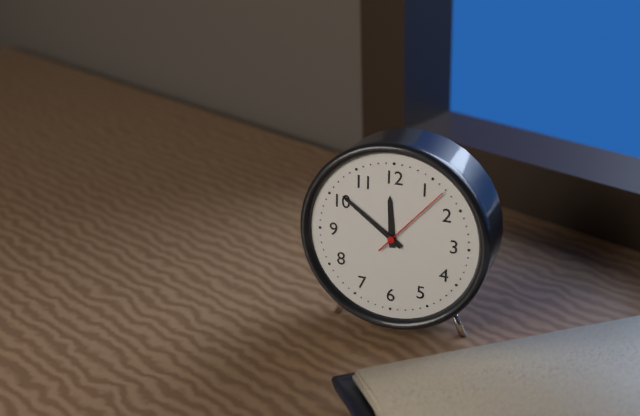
11:51:07
